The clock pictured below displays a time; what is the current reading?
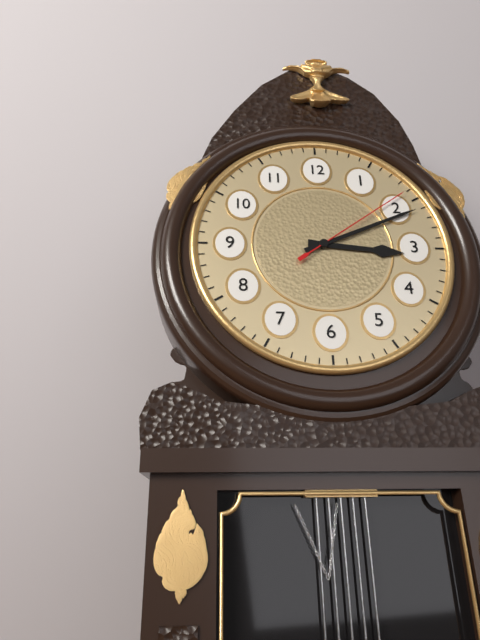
3:11:09
